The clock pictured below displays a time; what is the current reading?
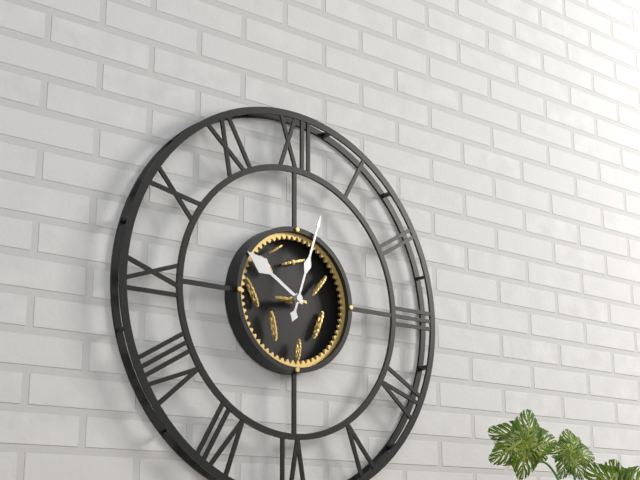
10:03
